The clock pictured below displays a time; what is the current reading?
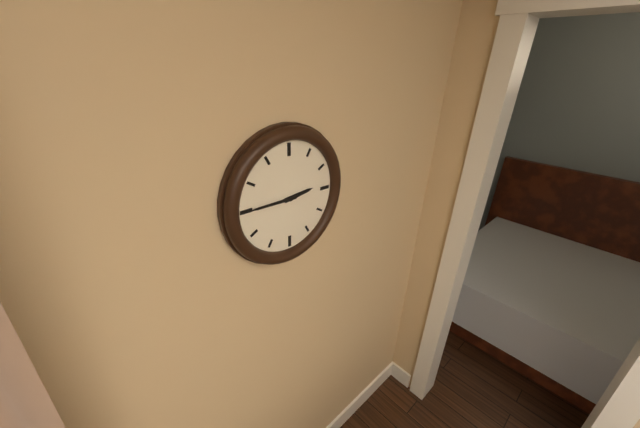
2:45
